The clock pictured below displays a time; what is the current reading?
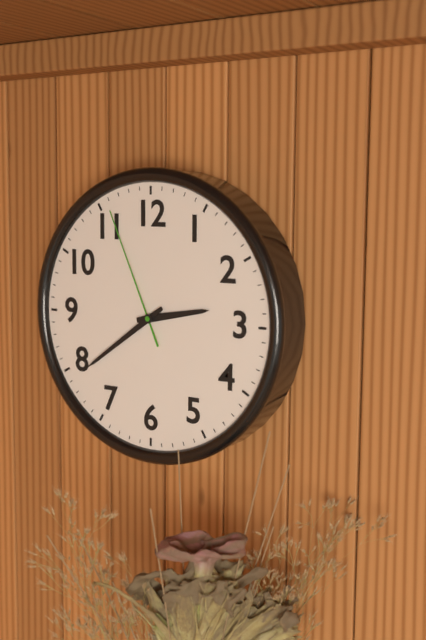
2:39:56
